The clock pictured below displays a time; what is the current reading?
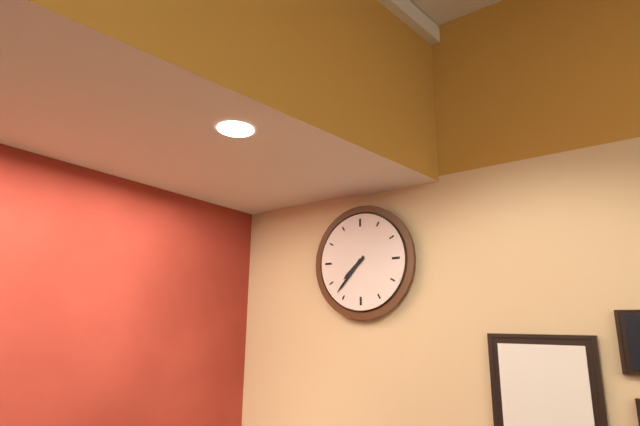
7:37
